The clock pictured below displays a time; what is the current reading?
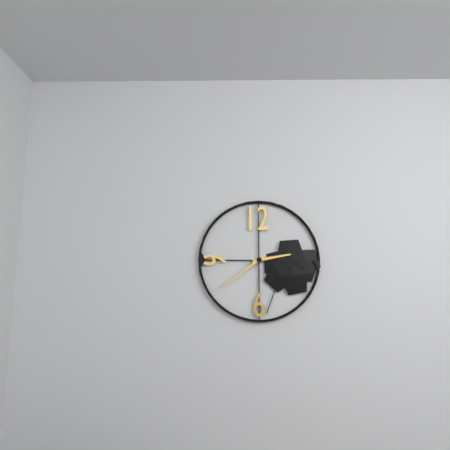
2:39
